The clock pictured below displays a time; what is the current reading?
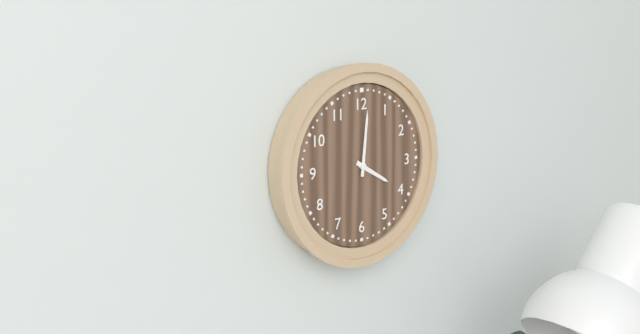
4:01
